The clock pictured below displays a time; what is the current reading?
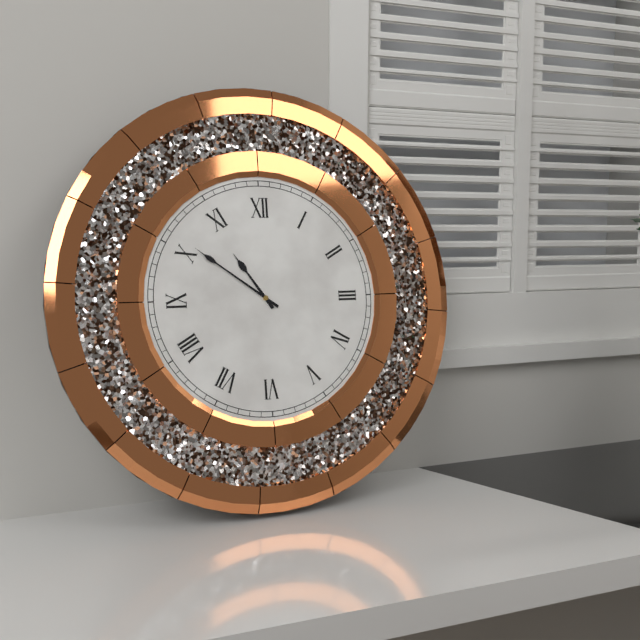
10:51
